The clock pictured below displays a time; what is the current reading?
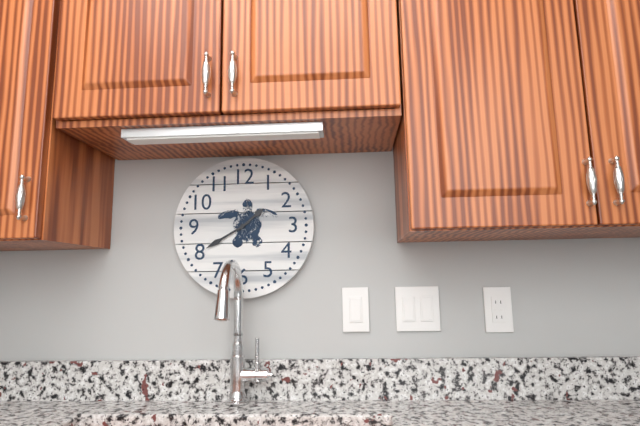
1:40
